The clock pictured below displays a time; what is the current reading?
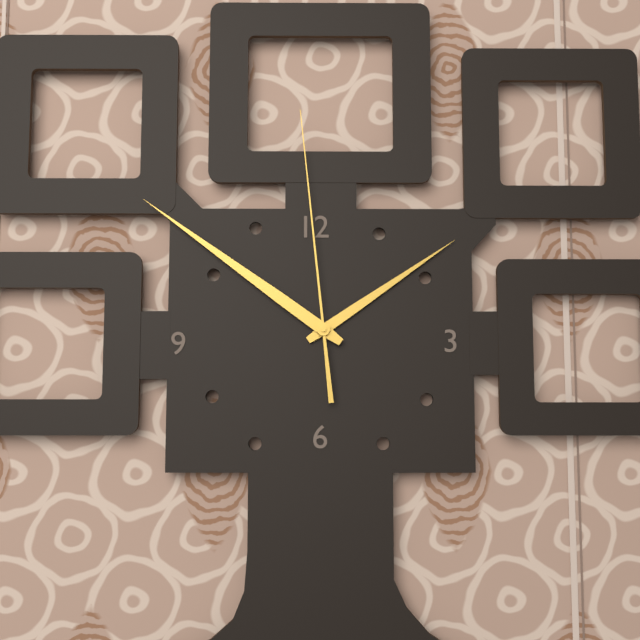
1:51:59
